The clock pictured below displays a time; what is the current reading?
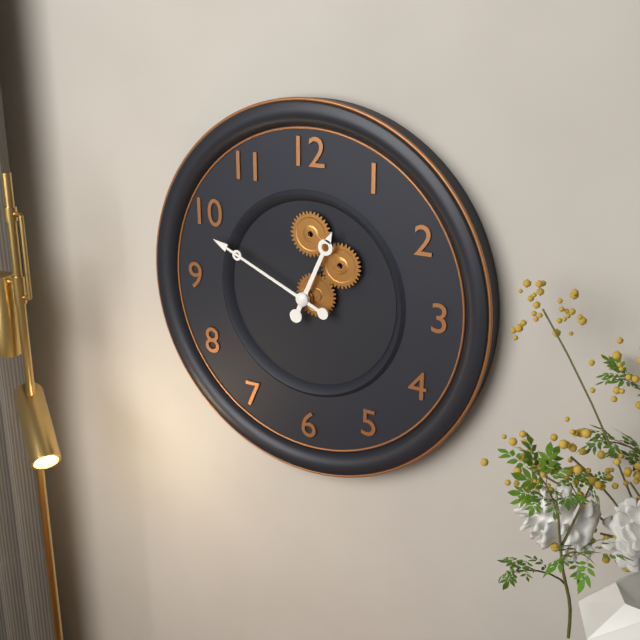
12:49
